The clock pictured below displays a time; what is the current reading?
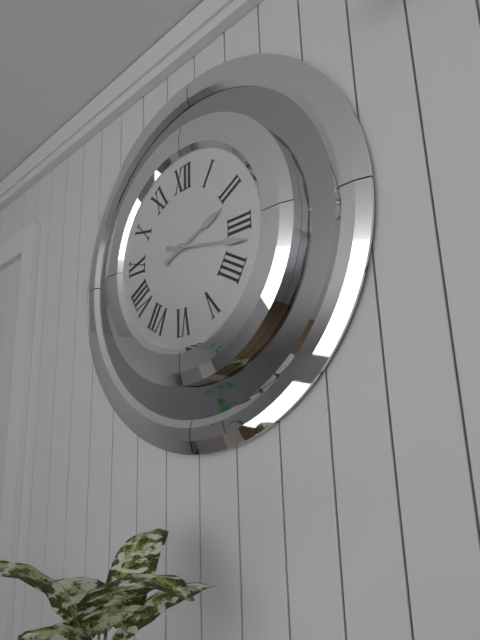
2:17
